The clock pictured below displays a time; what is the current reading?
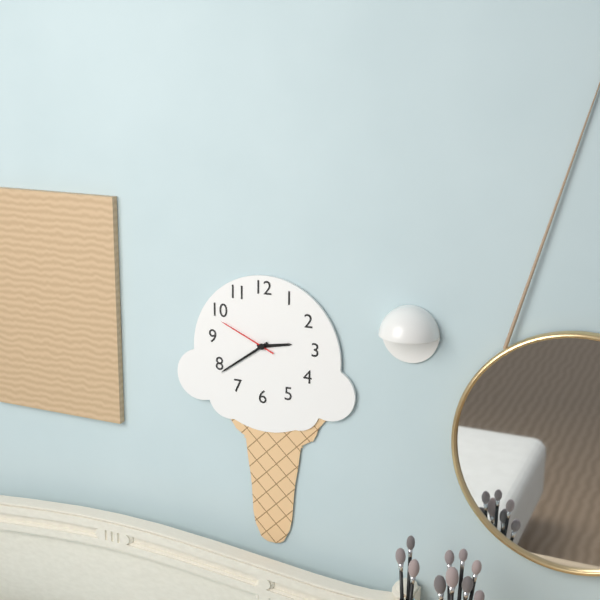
2:39:49
